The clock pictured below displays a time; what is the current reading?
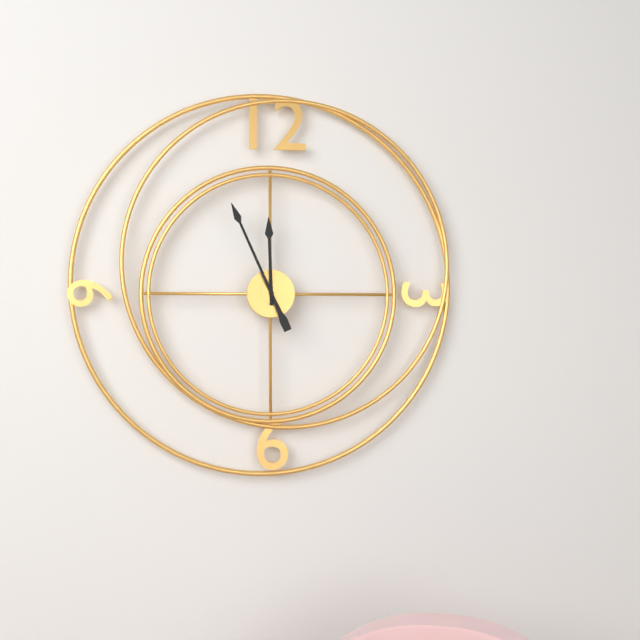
11:56
